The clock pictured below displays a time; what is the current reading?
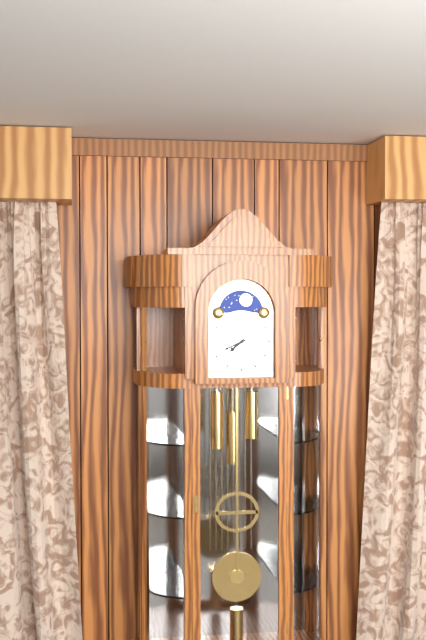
7:41
